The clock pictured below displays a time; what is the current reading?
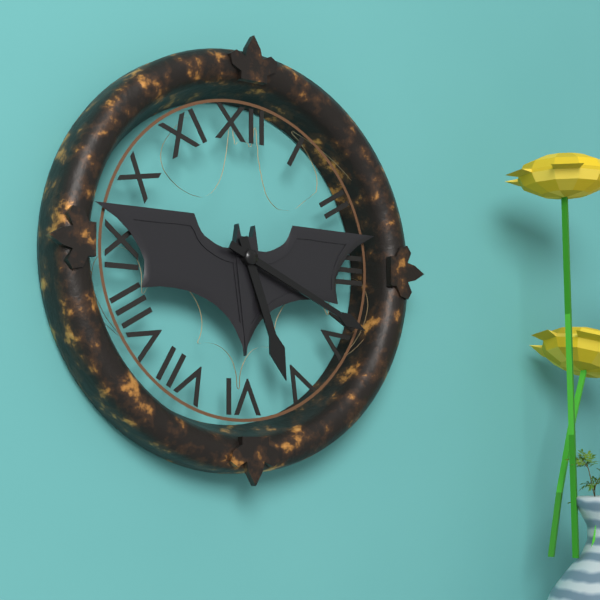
5:19
